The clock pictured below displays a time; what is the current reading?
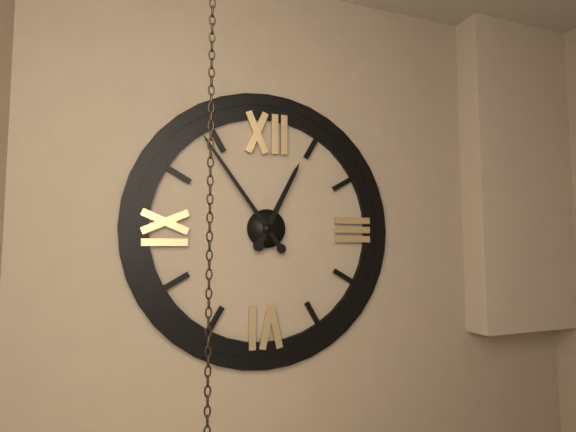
12:54
